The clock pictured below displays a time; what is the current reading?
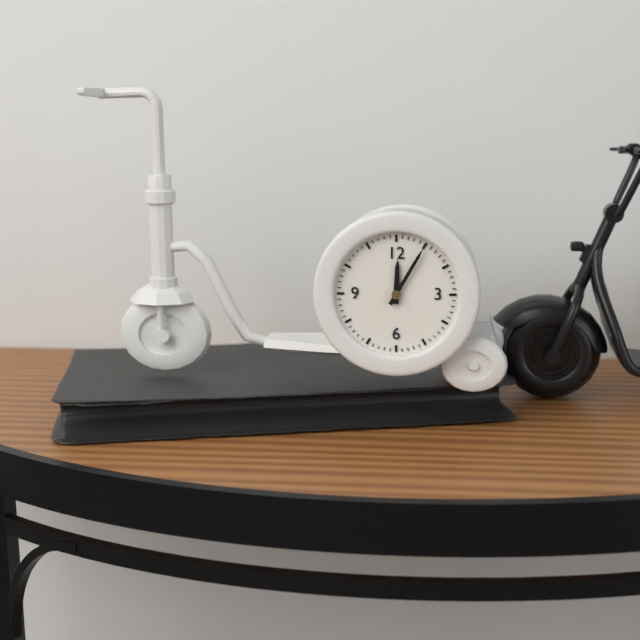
12:05
